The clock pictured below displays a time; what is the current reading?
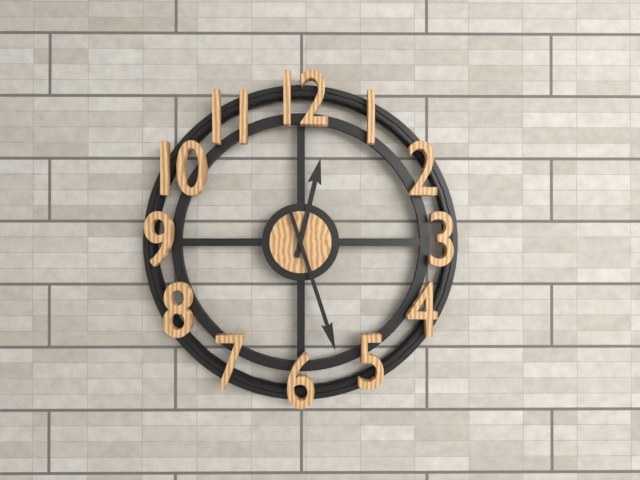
12:27
